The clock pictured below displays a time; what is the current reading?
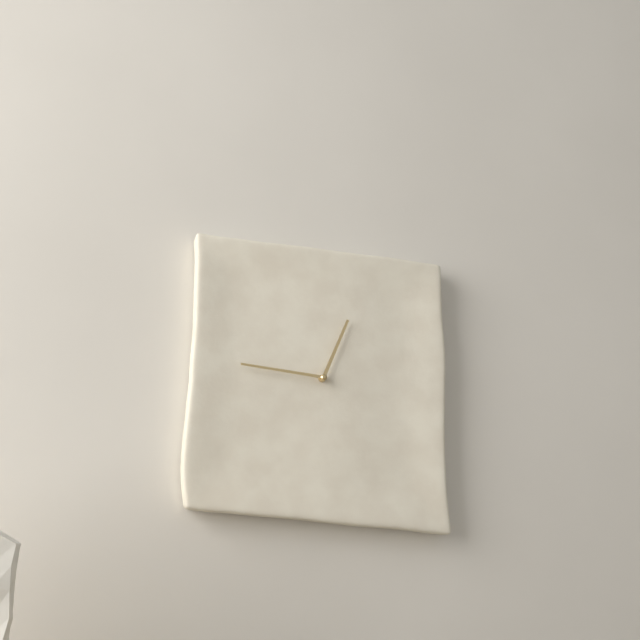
12:46
